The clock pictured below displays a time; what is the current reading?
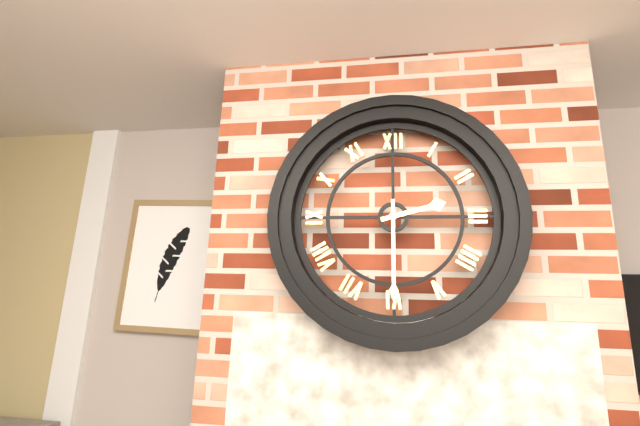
2:30
